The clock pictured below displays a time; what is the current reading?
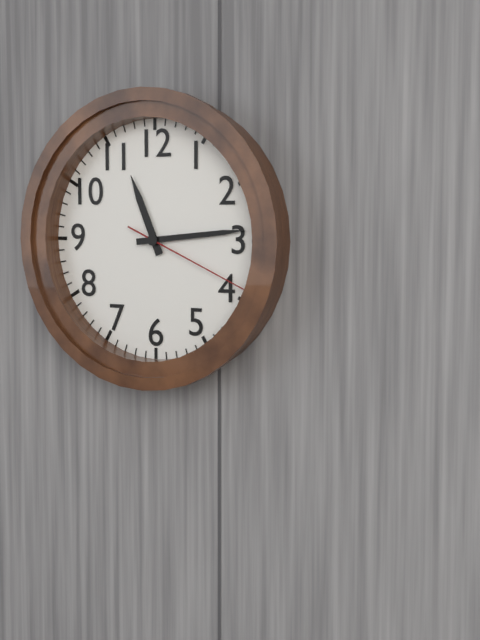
11:14:19
